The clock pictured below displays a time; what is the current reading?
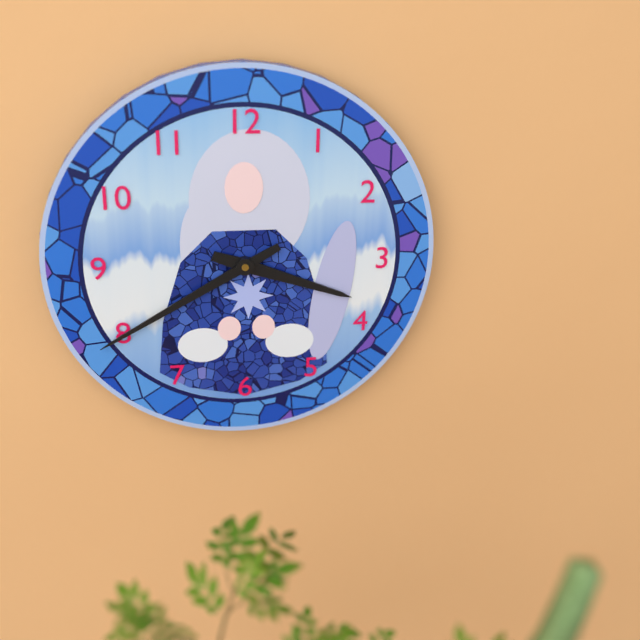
3:40
